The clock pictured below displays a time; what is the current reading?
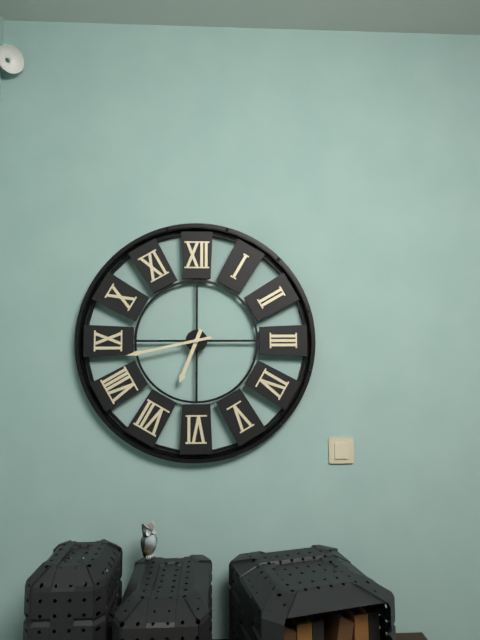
6:43
